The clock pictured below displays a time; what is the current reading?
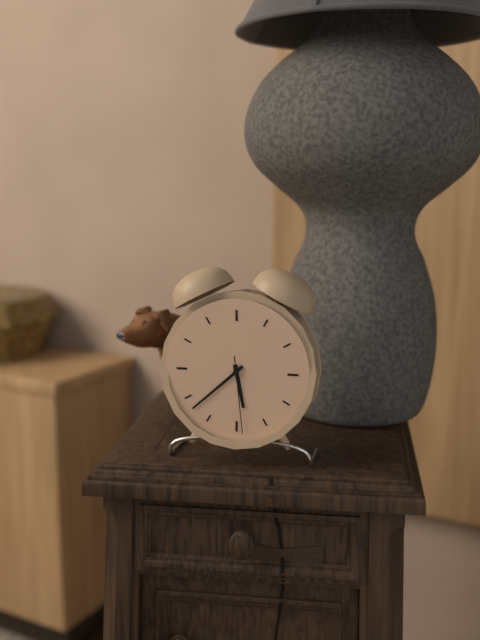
5:38:29
